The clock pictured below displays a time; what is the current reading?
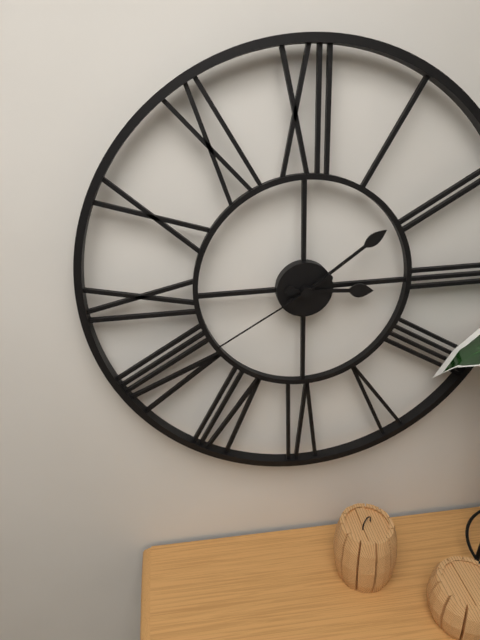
3:09:40
